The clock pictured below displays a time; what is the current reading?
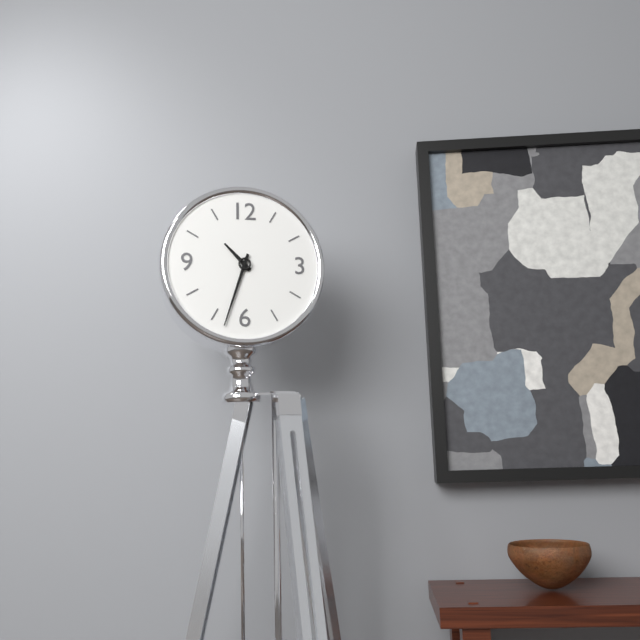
10:33
